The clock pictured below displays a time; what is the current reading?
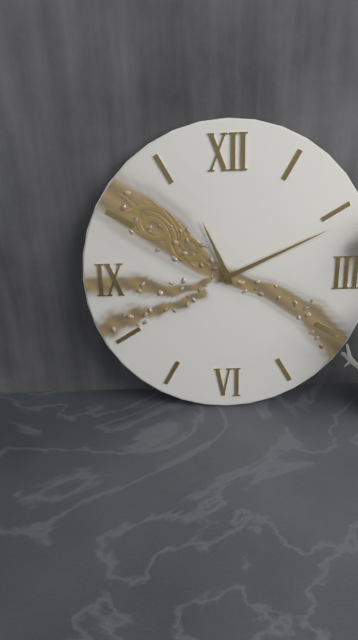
11:11
